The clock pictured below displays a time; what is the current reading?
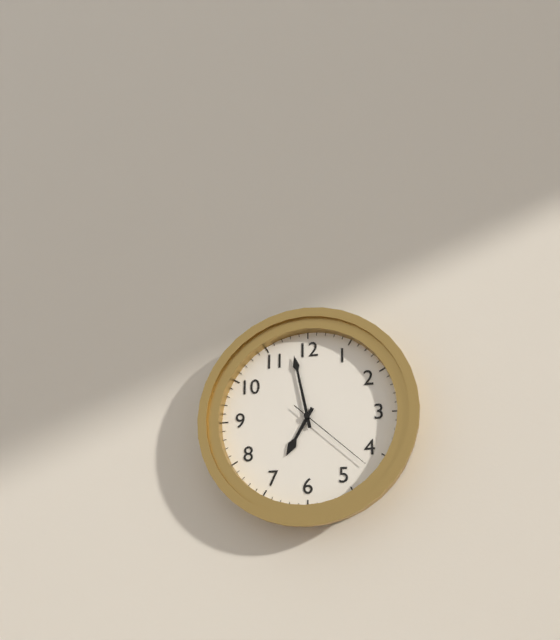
6:58:22
